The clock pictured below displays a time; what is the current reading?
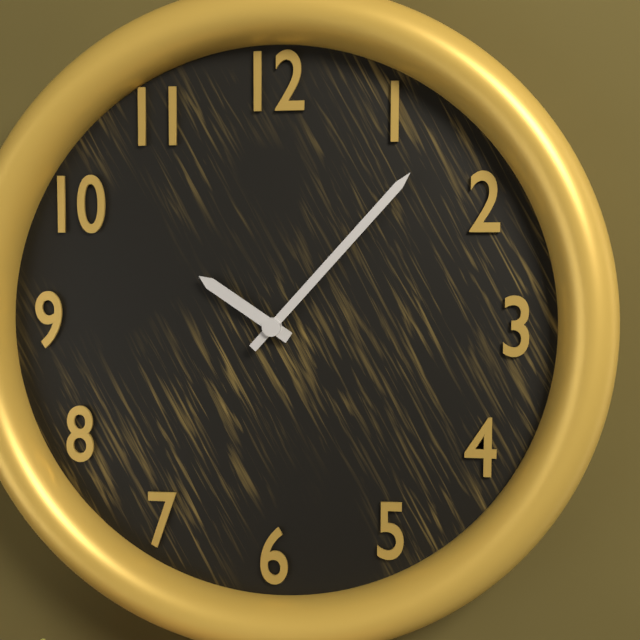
10:07
